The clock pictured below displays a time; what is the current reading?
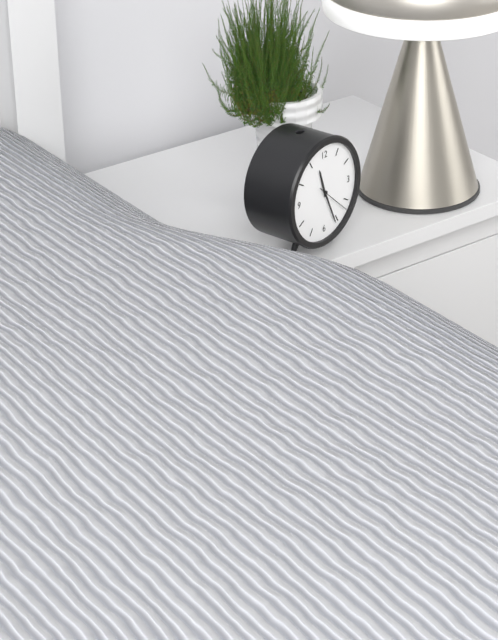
11:26
